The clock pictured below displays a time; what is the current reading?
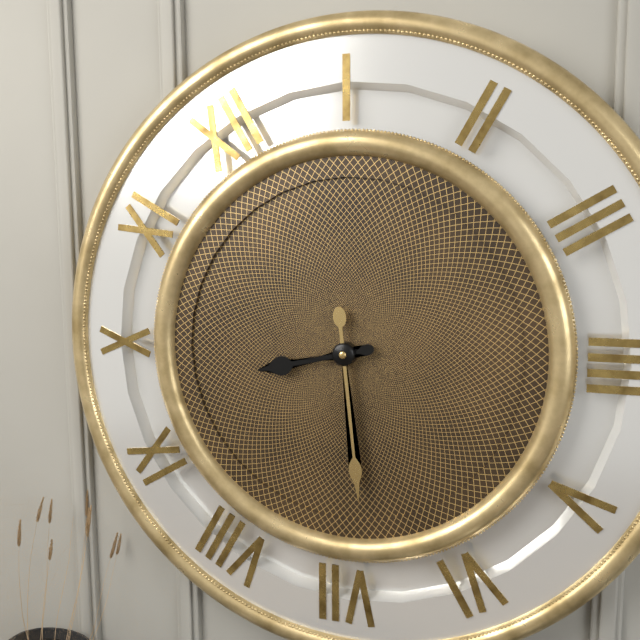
9:34
